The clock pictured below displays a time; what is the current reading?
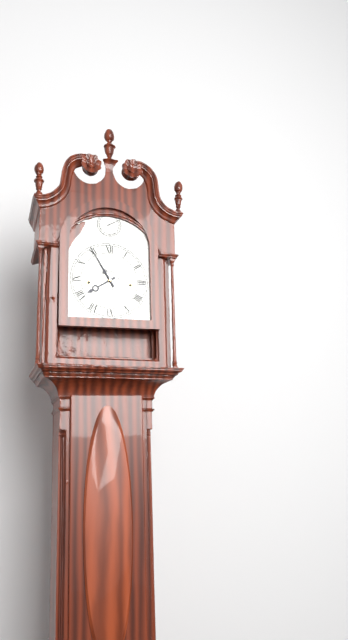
7:55
